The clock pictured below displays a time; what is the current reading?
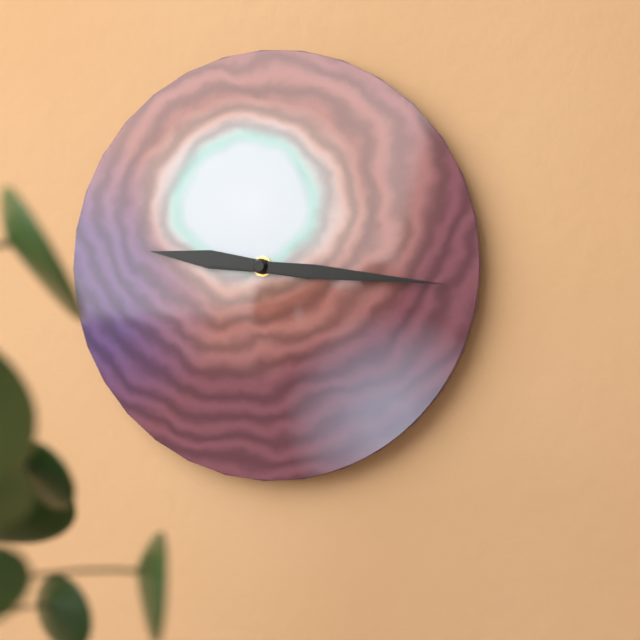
9:16
